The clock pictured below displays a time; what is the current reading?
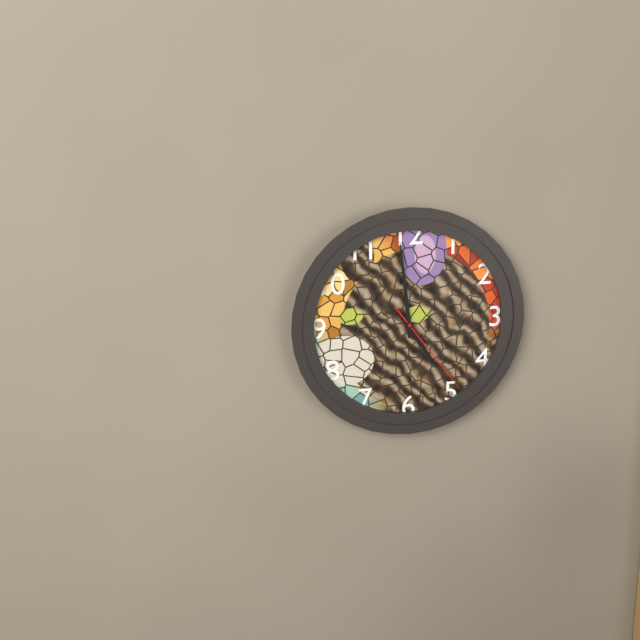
4:59:24
